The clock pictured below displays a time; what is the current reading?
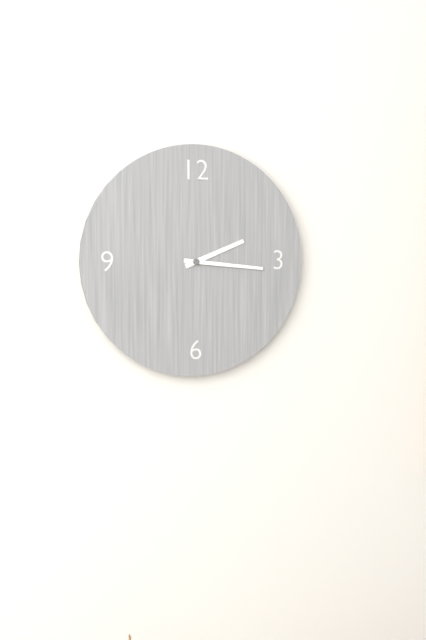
2:16
